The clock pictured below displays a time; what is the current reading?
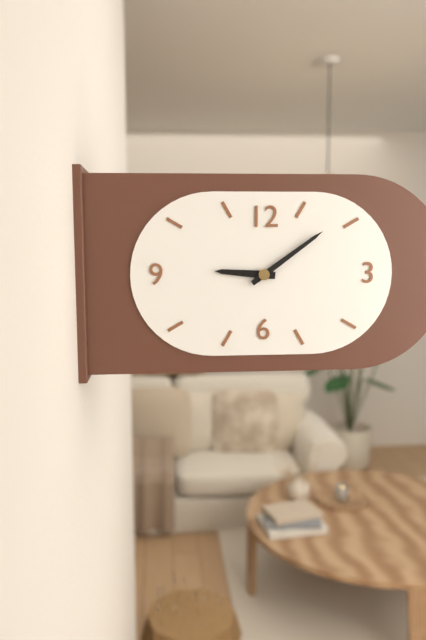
9:09
